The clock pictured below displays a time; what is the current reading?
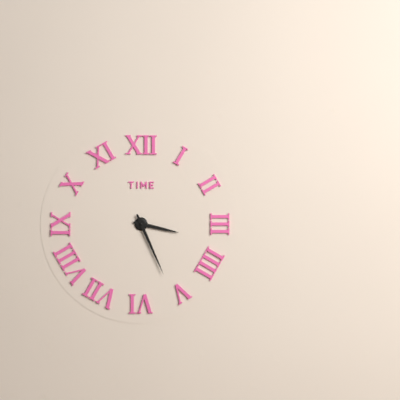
3:26
